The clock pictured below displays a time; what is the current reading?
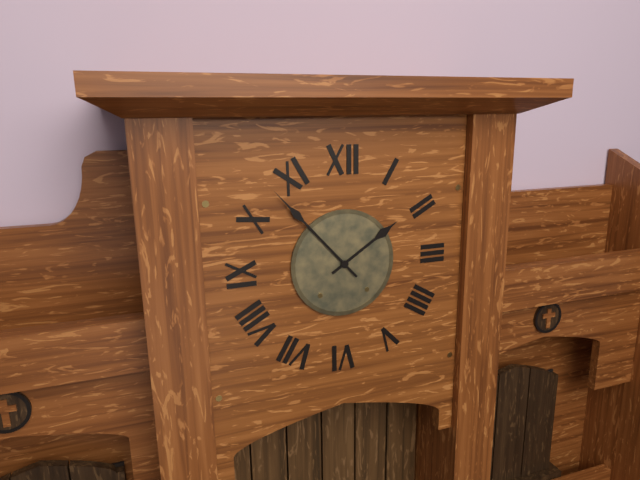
1:53
